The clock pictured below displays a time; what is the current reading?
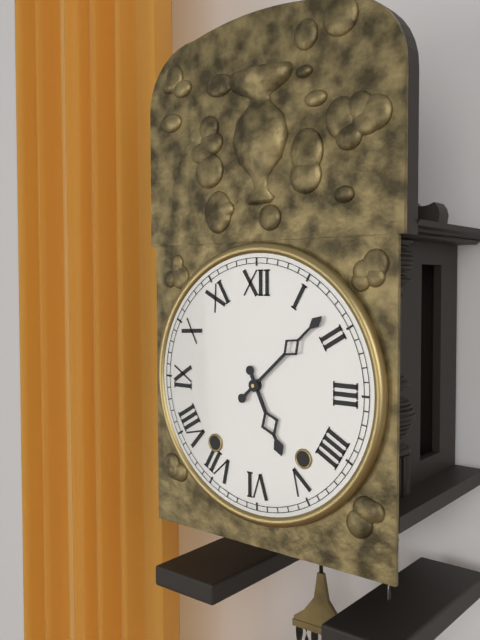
5:08
